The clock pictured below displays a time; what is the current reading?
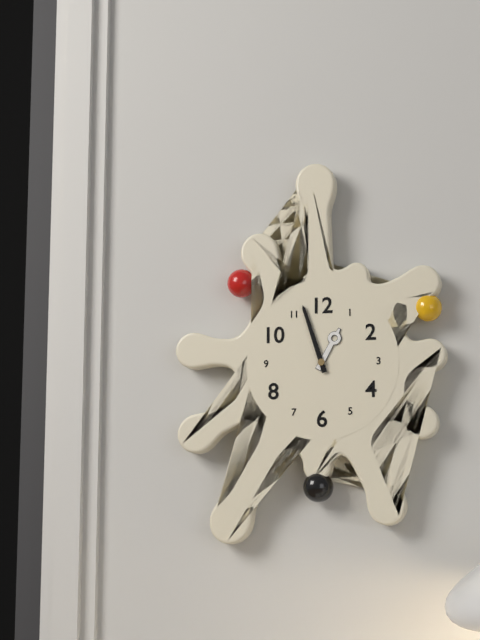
12:57
